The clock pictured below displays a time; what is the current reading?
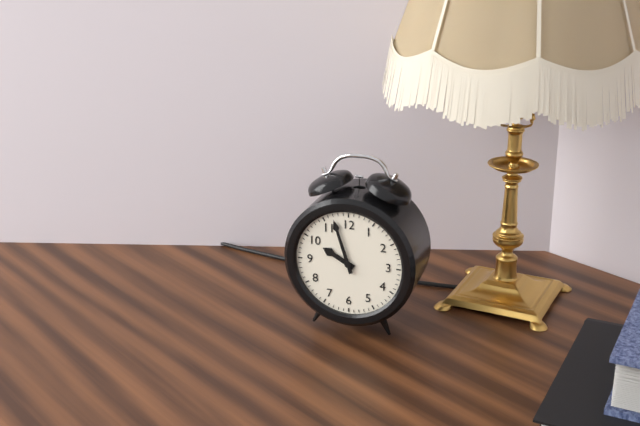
9:57
